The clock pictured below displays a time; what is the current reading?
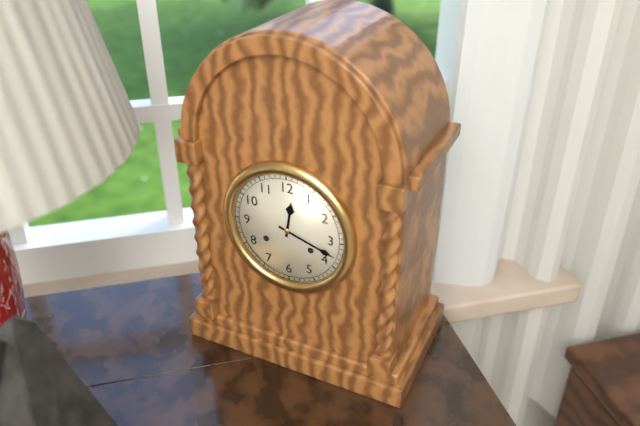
12:18
